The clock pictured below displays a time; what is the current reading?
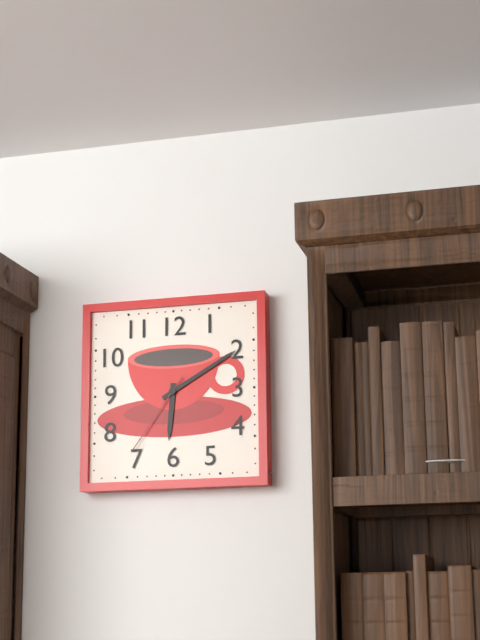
6:10:36
